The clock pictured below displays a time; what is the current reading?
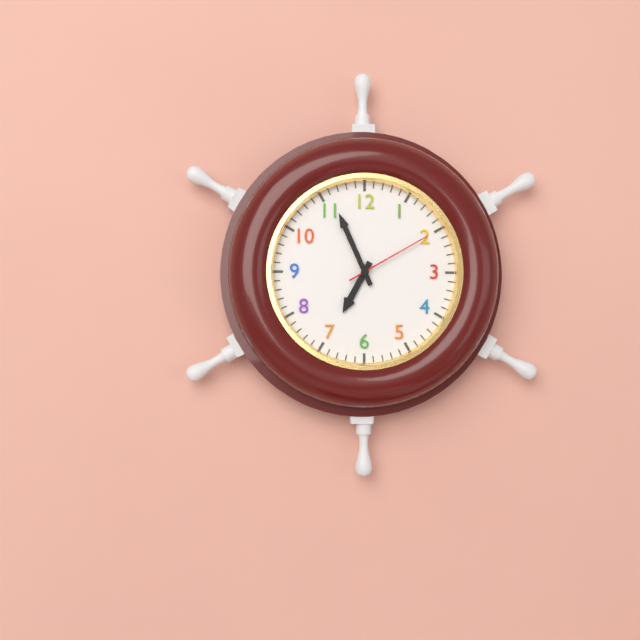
6:56:10
